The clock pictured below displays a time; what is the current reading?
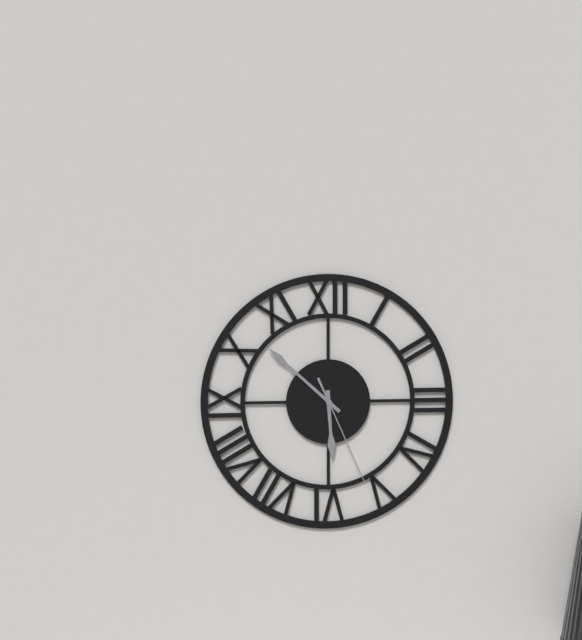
5:52:26
